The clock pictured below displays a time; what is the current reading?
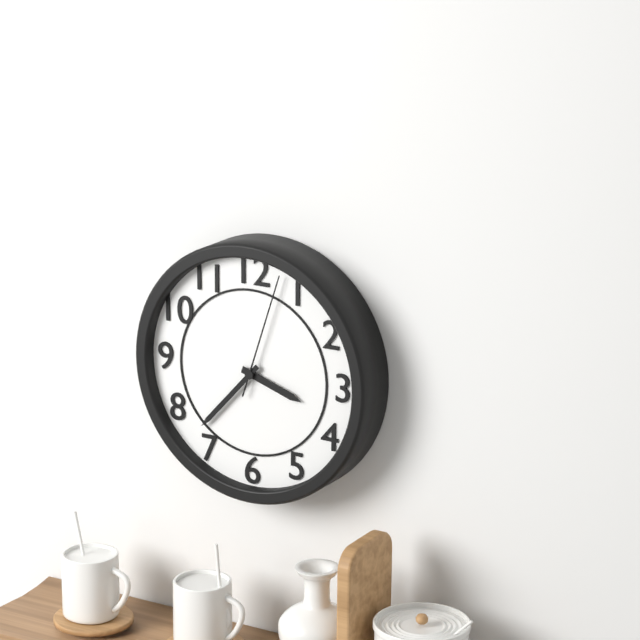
3:37:03
